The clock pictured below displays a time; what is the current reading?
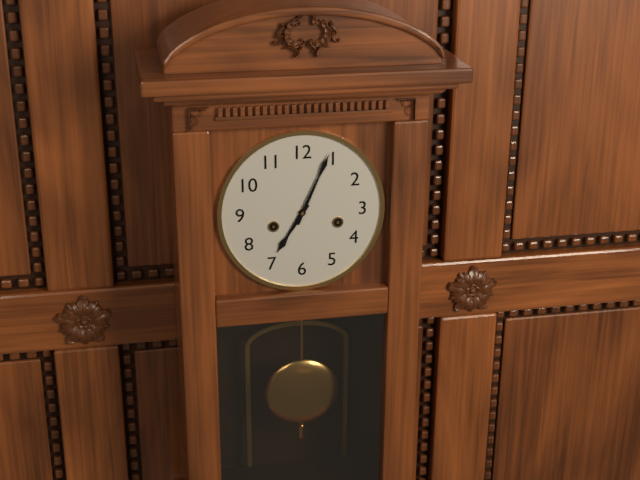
7:04
